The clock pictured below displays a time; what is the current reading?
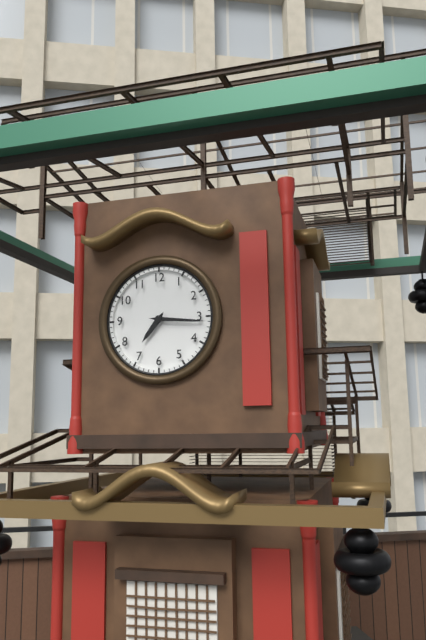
7:16
